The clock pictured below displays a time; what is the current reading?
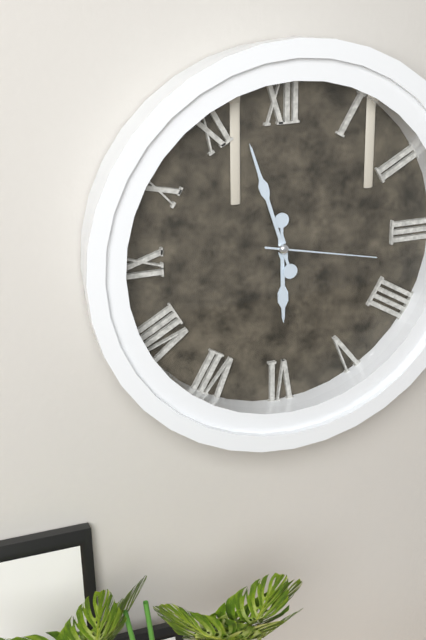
5:57:17
